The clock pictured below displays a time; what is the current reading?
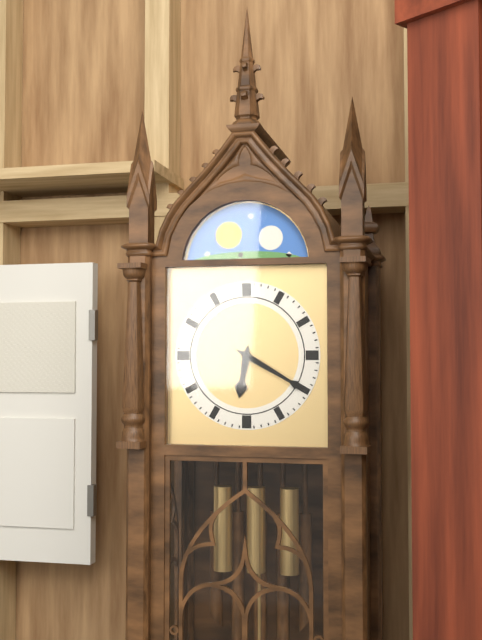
6:20
